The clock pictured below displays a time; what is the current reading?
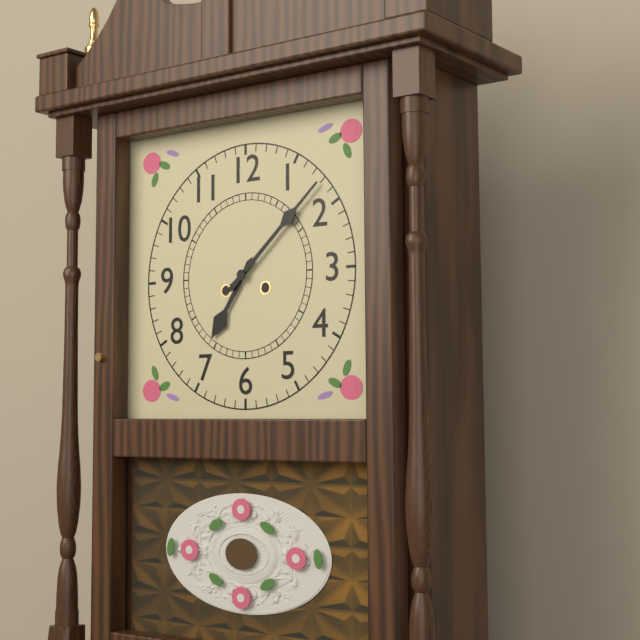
7:08
